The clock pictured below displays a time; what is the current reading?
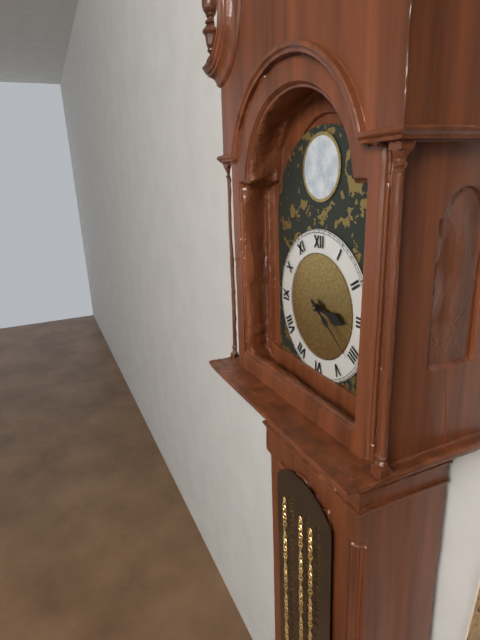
3:21
